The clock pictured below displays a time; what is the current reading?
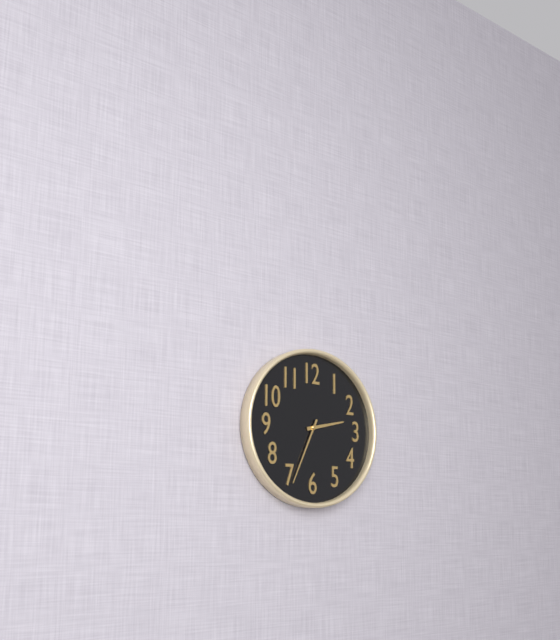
2:34
